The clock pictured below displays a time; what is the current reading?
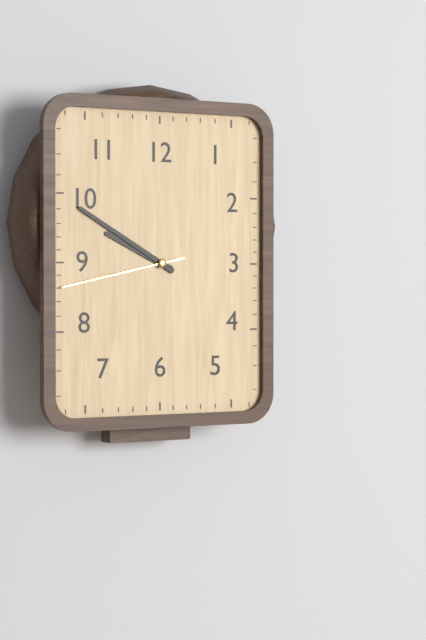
9:50:43
